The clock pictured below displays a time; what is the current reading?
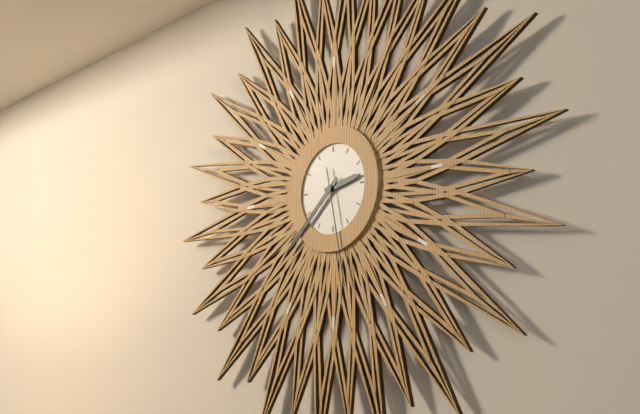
2:38:28
